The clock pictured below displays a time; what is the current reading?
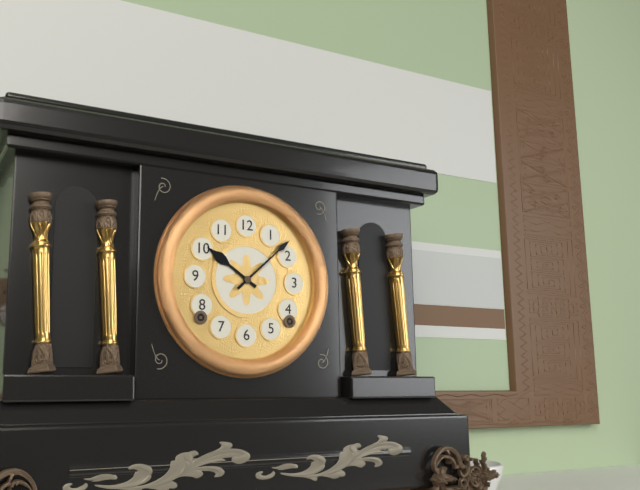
10:08
